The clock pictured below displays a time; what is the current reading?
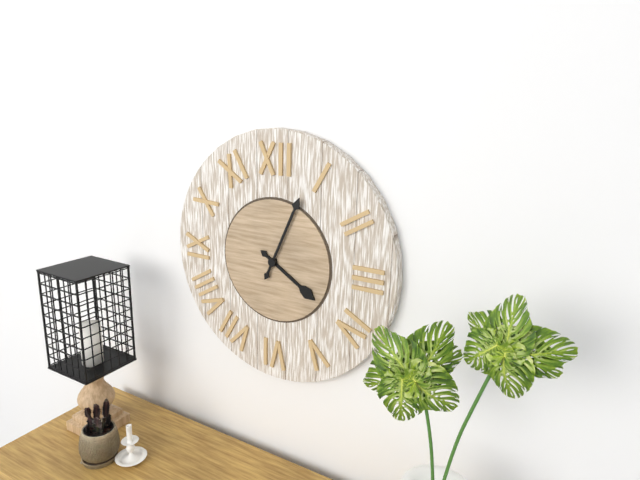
4:04
